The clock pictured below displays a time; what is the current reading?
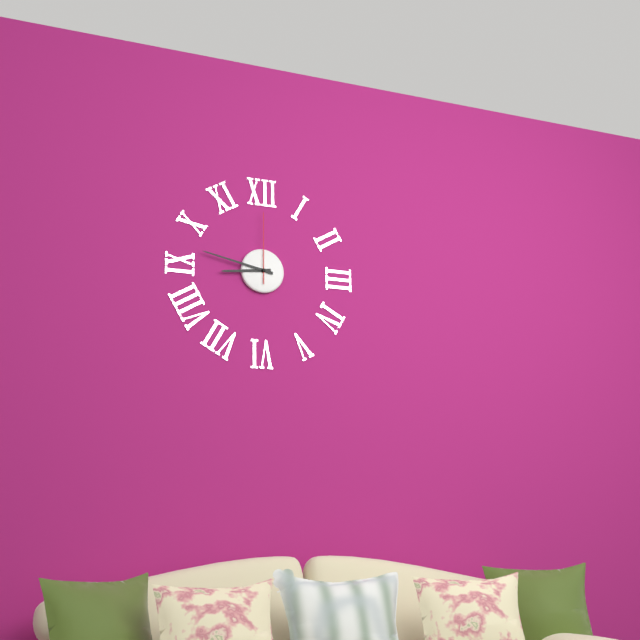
8:47:00
